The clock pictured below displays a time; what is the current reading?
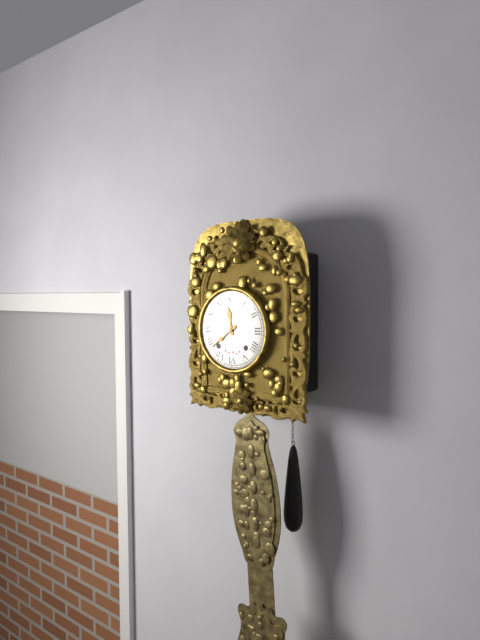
11:39
